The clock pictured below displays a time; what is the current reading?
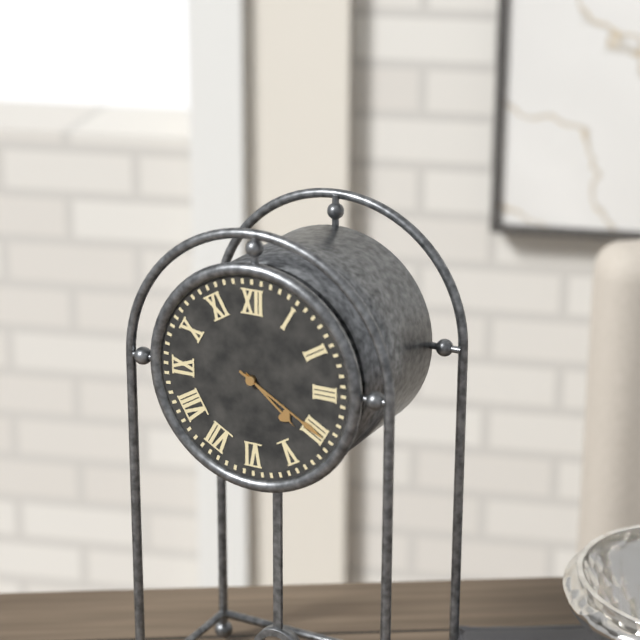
4:20
